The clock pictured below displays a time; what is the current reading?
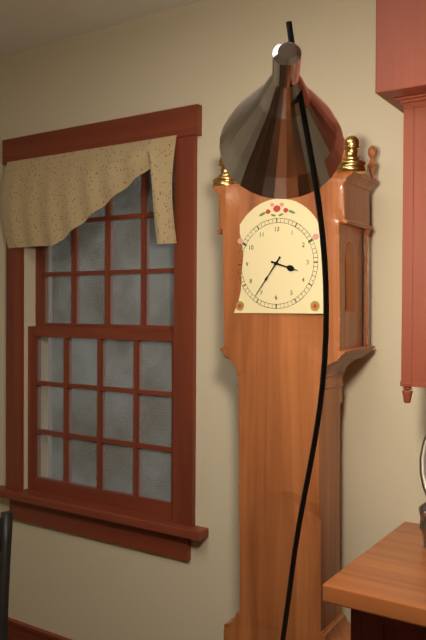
3:36
